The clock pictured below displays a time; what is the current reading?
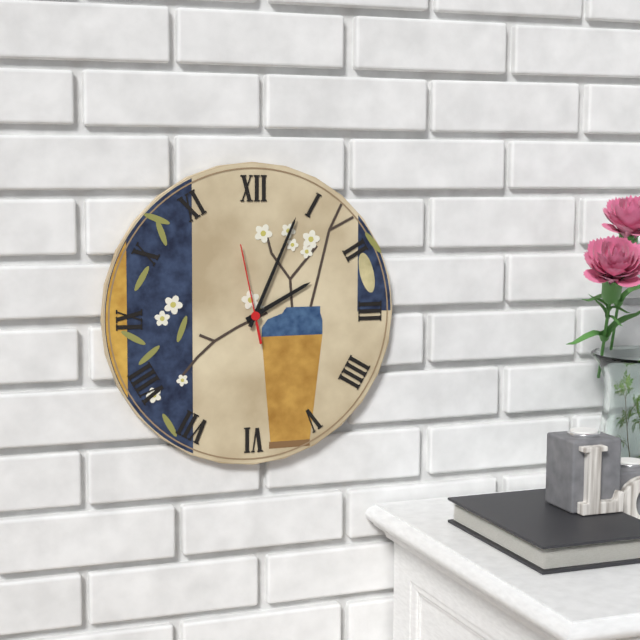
2:04:58
